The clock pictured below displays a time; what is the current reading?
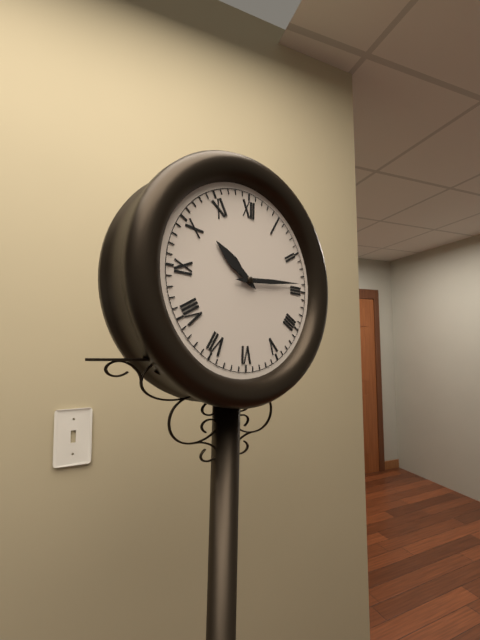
10:14
